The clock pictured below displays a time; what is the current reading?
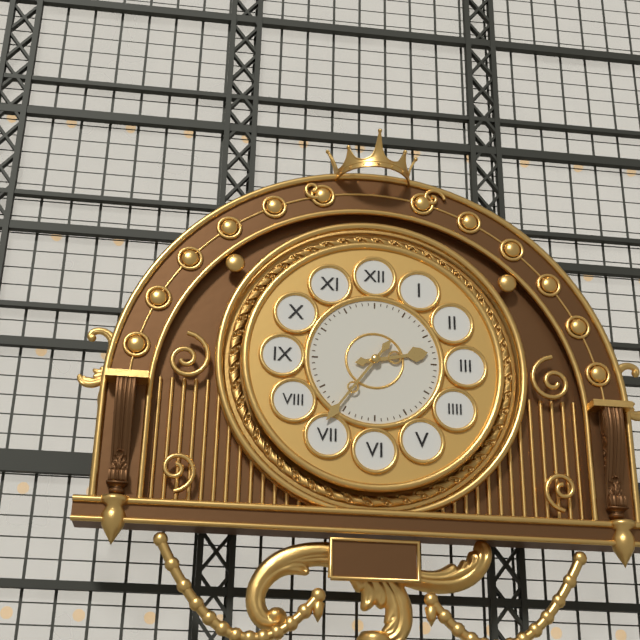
2:36
